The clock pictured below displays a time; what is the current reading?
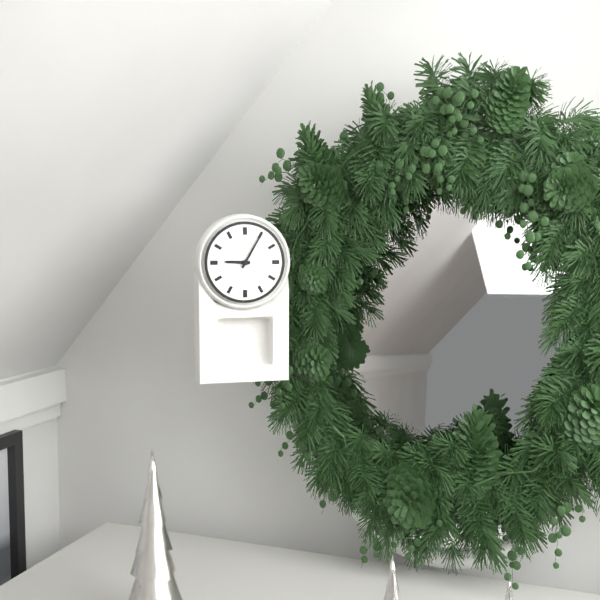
9:05
